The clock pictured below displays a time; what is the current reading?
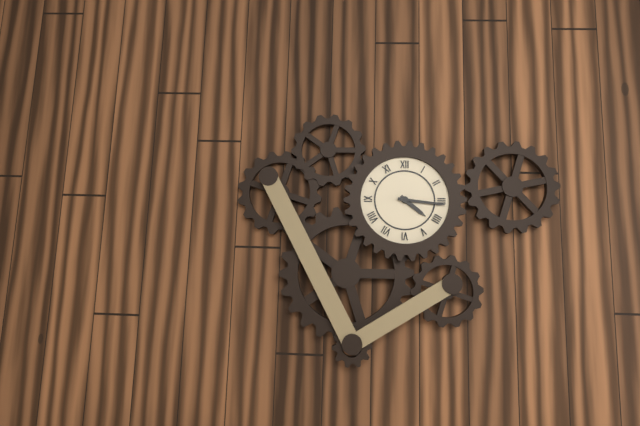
4:16
